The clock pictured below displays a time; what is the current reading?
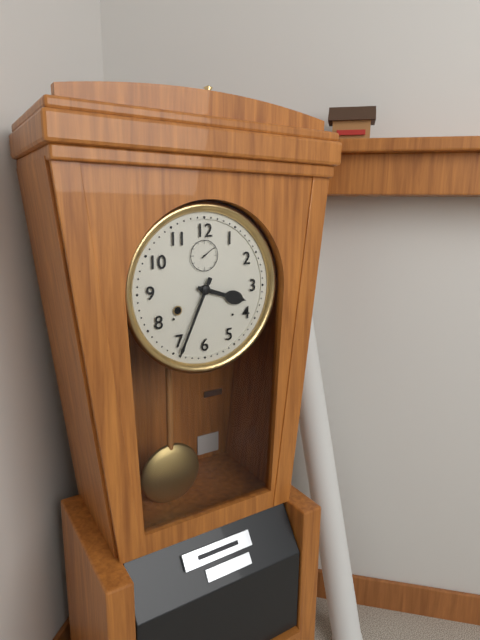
3:34
